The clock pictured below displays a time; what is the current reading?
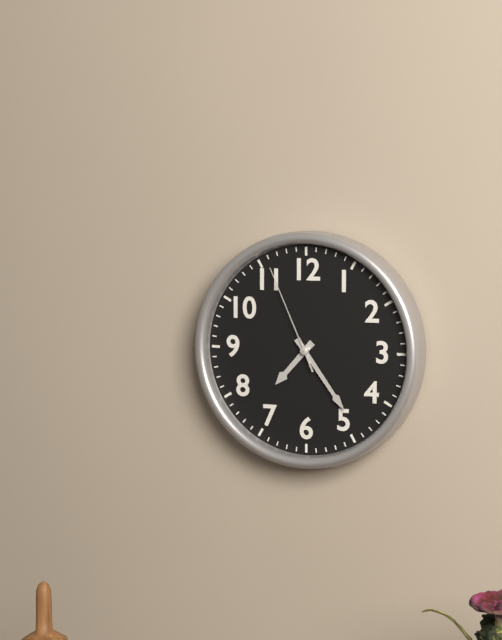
7:24:56
